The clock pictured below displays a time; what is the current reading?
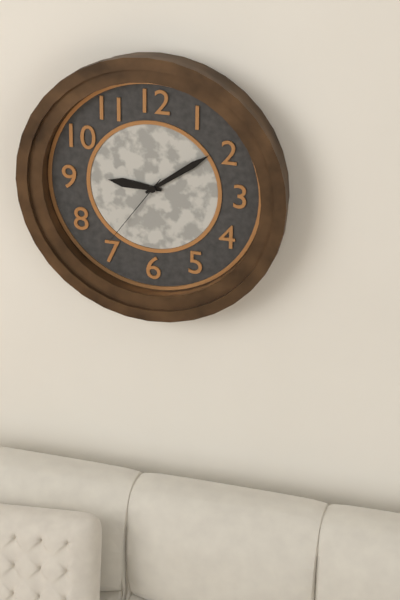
9:09:36
